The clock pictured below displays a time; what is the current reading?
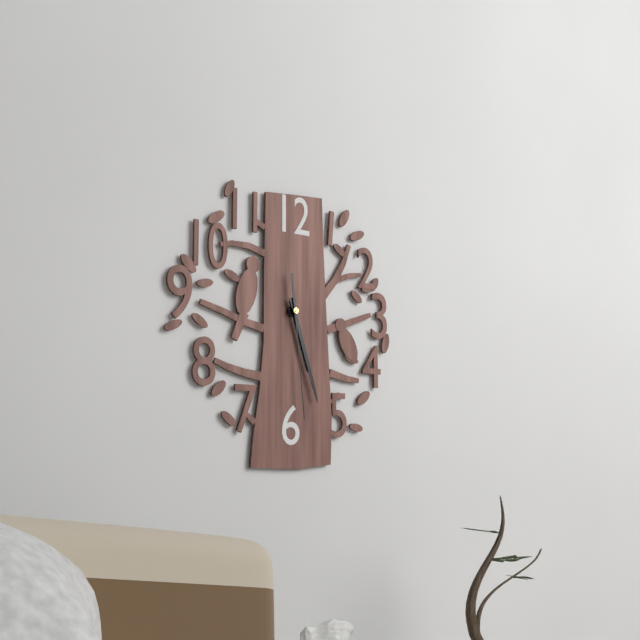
5:27:29
